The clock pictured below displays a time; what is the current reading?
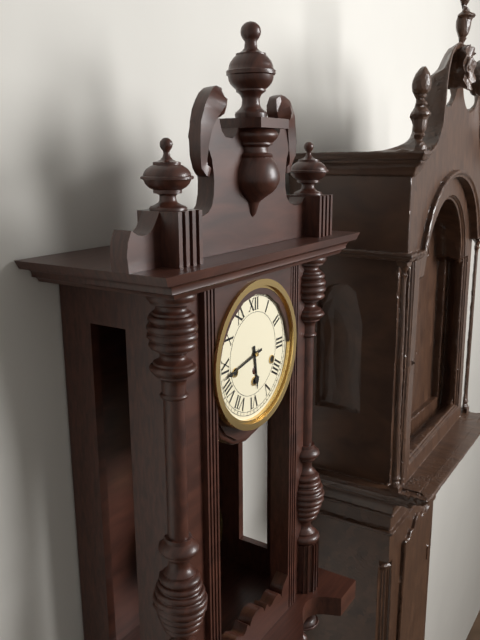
5:43
